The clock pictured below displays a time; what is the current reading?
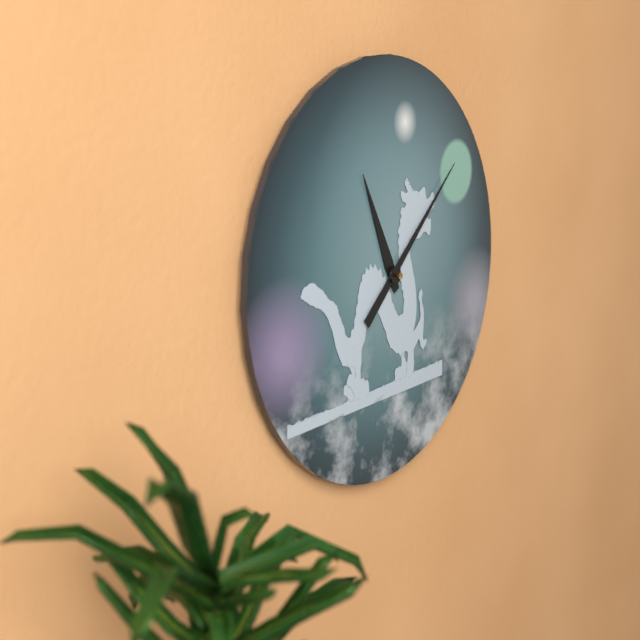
11:08
